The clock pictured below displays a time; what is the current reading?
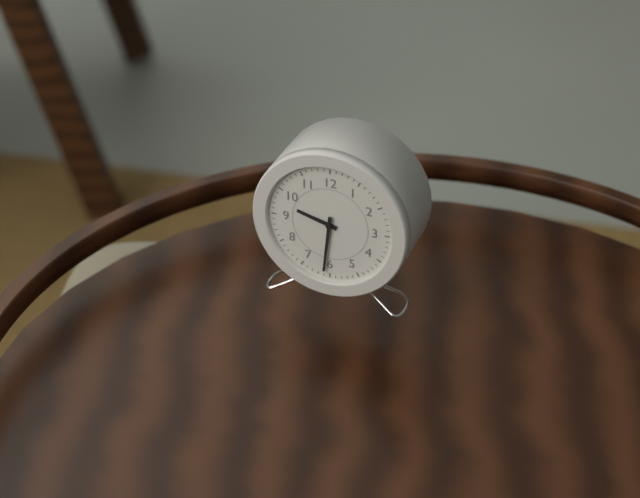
9:31
